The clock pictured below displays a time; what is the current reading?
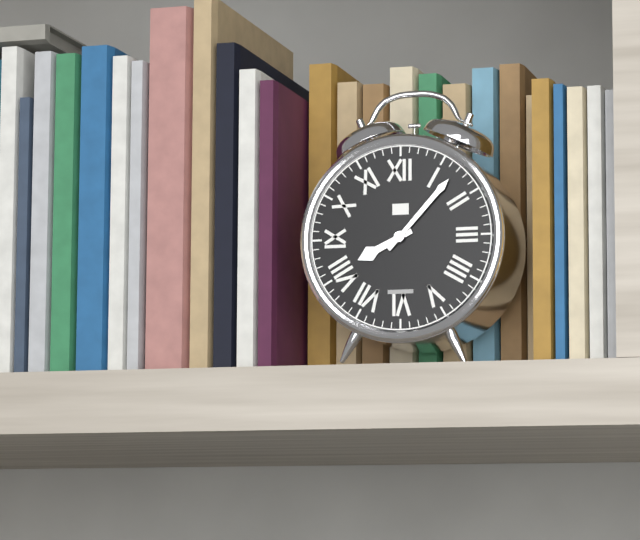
8:07
